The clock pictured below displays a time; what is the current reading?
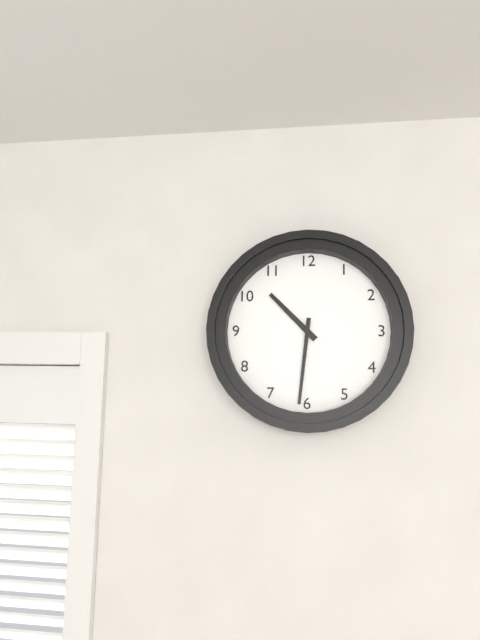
10:31
